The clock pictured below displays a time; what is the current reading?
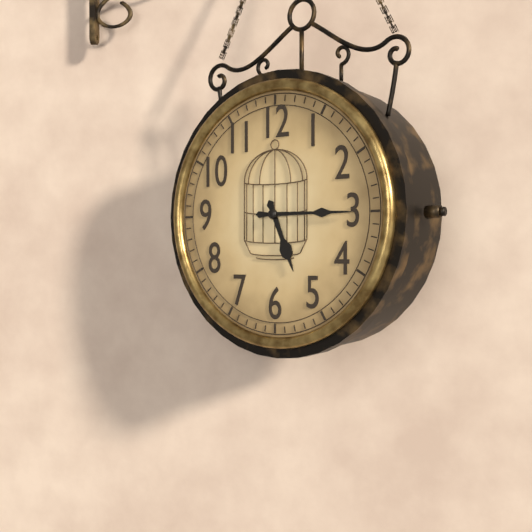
5:15
